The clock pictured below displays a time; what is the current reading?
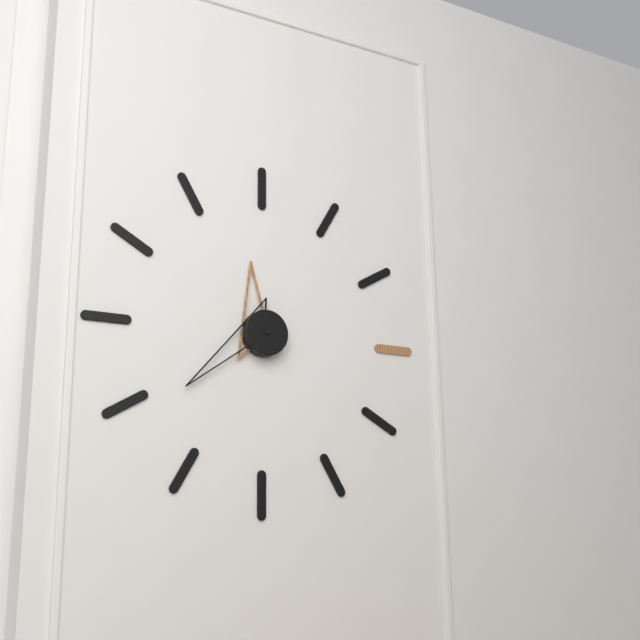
11:39
